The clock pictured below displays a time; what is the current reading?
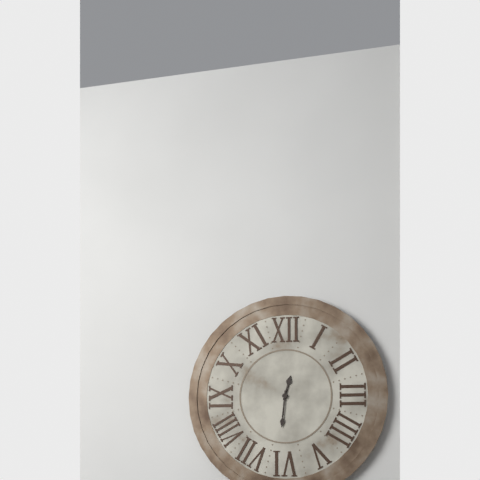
12:31
